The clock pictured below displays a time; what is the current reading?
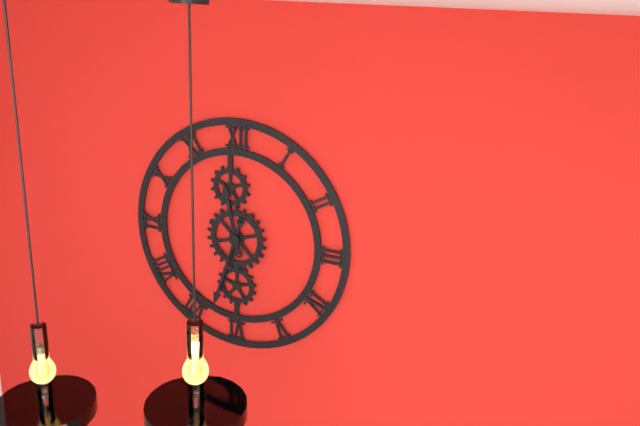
11:33
